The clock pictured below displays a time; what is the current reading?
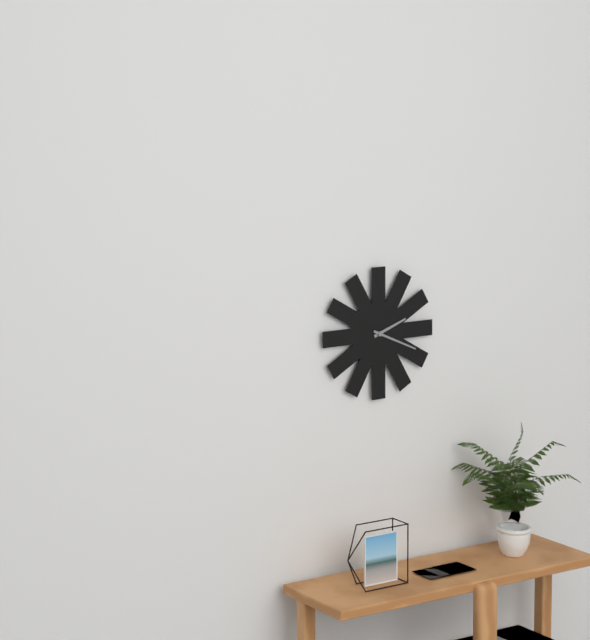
2:19
